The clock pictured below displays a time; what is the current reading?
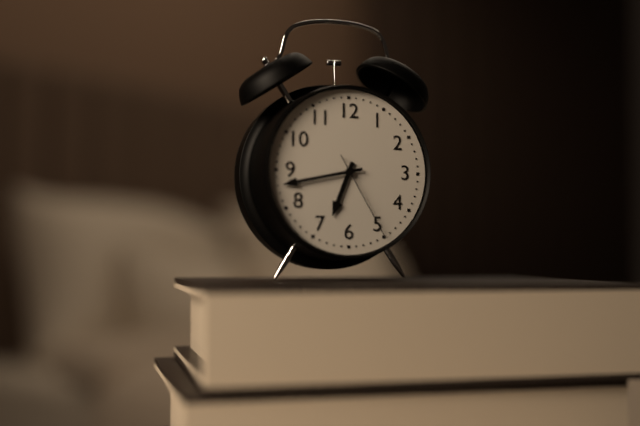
6:43:25
